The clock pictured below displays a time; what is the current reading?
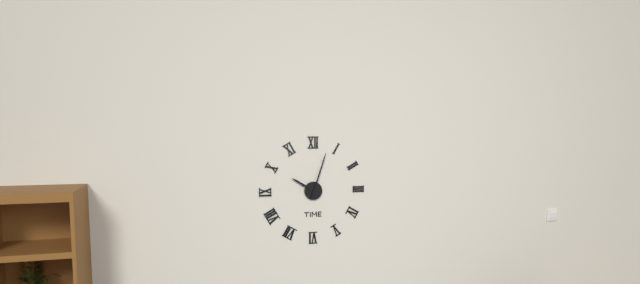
10:03
